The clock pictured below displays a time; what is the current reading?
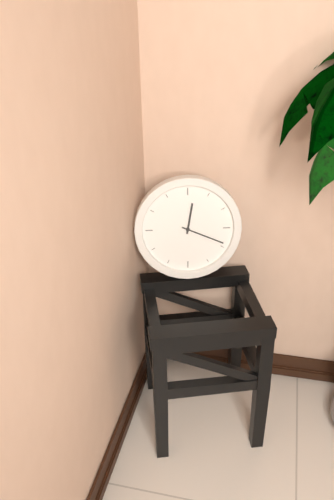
12:19
